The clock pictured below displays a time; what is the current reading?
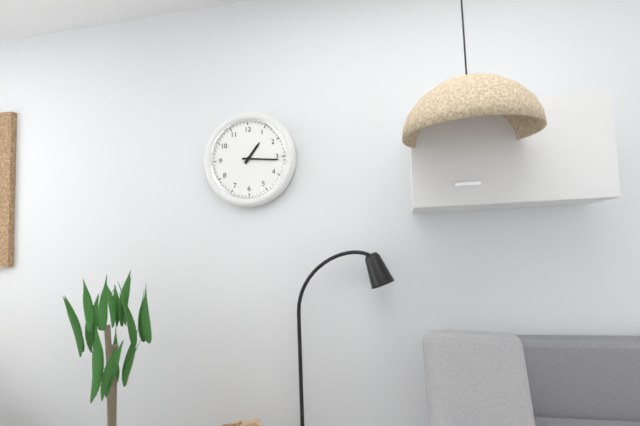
1:16
